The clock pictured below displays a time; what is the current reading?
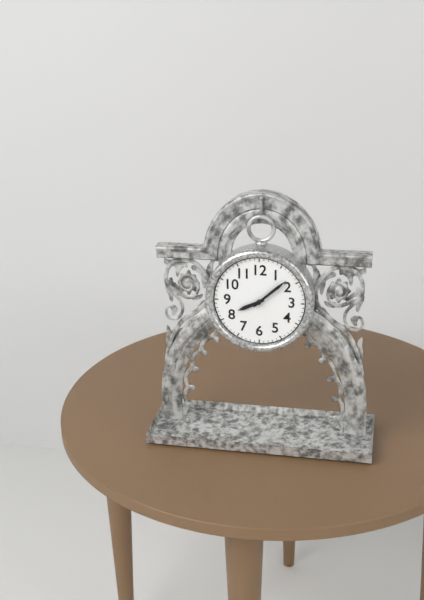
8:08
